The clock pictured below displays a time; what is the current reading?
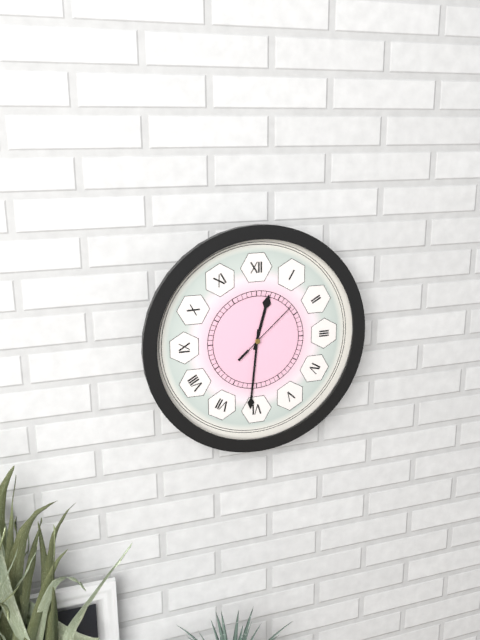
12:31:08
